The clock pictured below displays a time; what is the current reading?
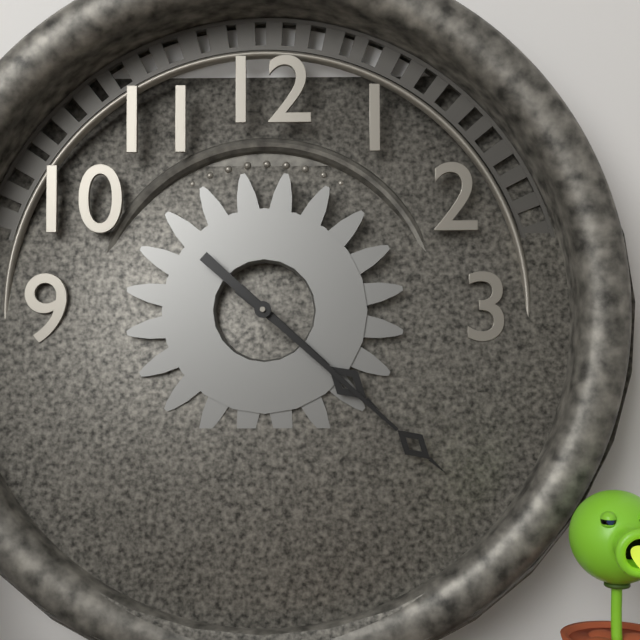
4:22
